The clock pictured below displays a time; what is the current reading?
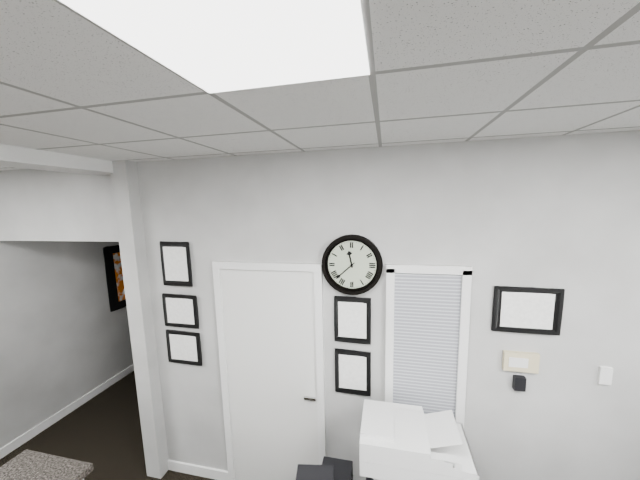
11:38
